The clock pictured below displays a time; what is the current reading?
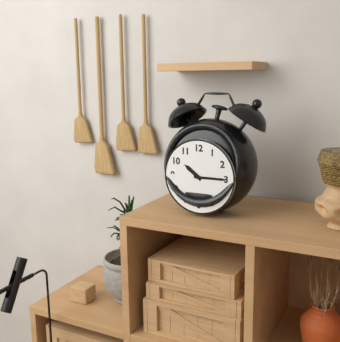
10:15
